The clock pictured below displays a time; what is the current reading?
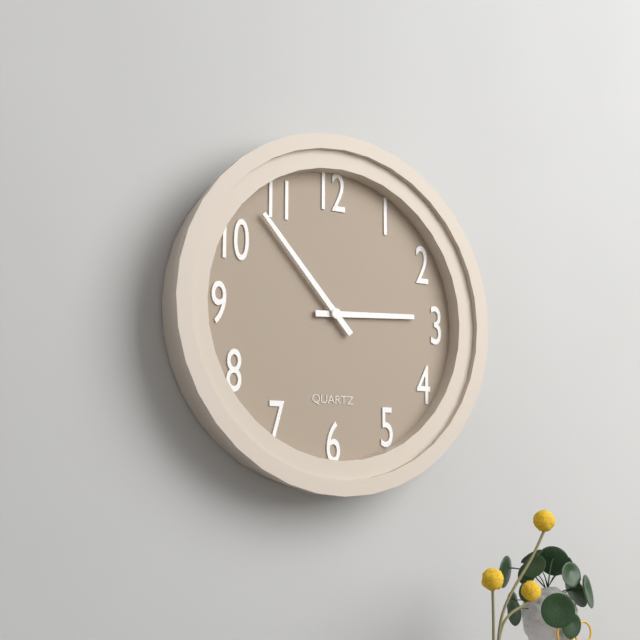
2:53
